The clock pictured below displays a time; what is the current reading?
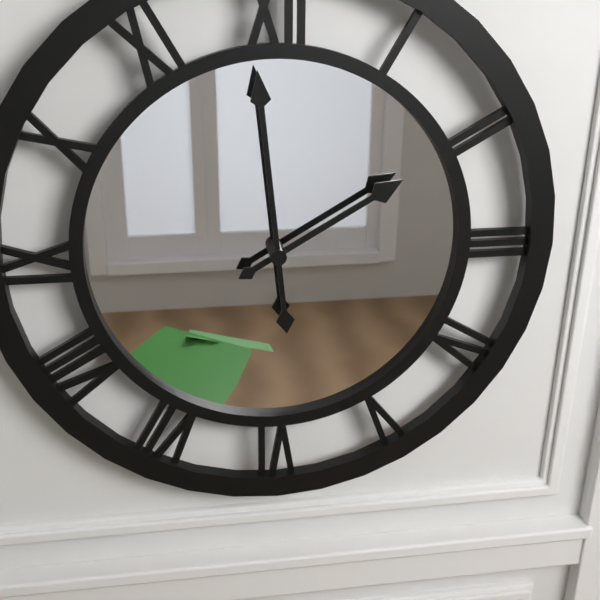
1:59
